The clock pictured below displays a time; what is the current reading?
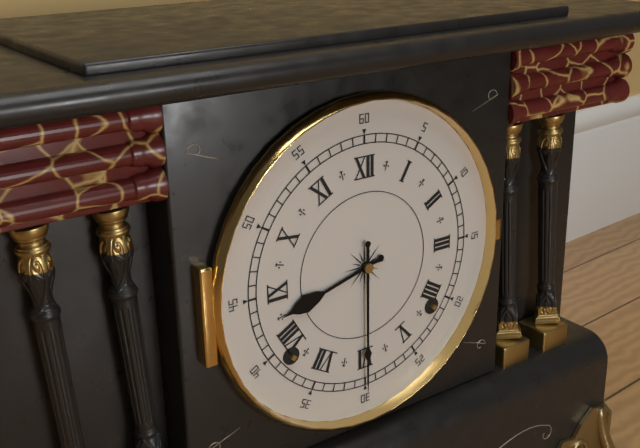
8:30
